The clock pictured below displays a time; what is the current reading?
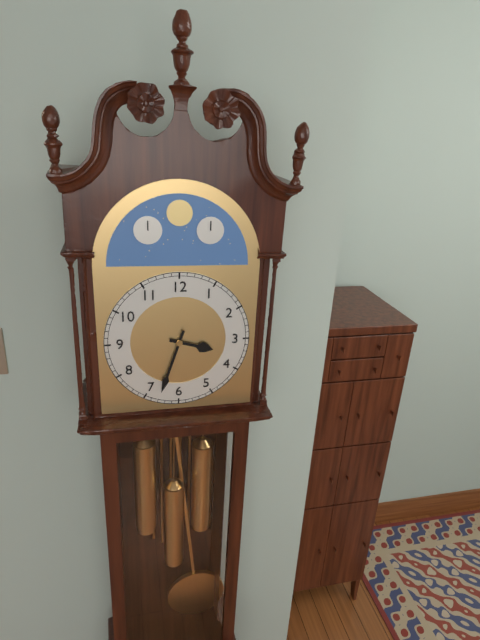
3:33
